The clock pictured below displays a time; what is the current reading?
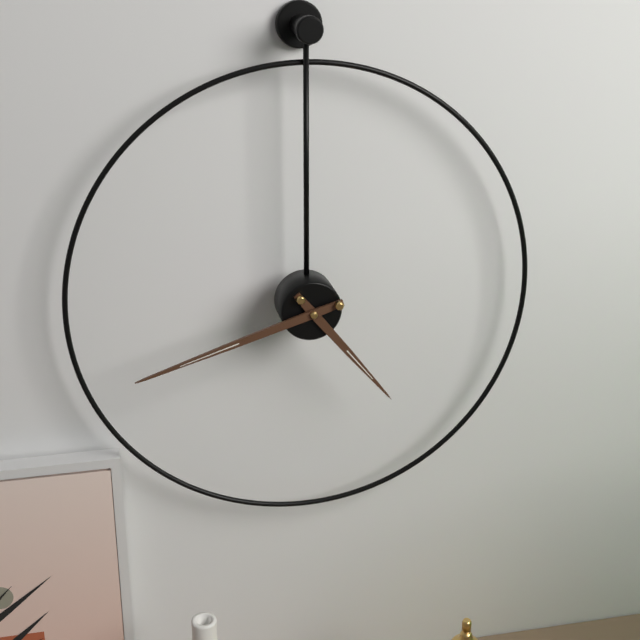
4:42
